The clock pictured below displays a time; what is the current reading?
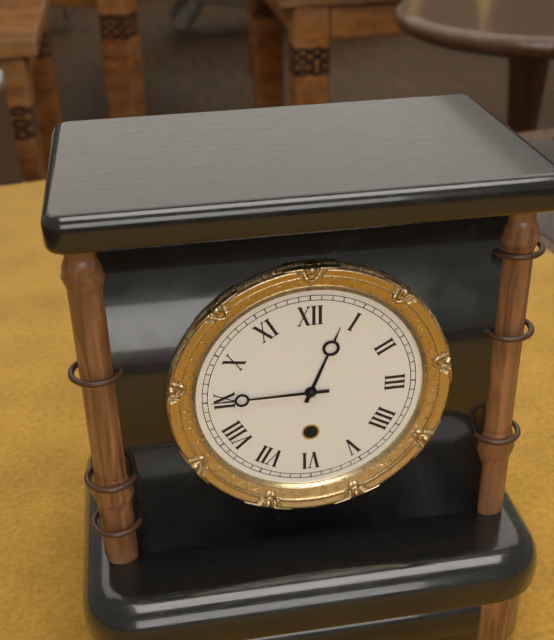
12:45
